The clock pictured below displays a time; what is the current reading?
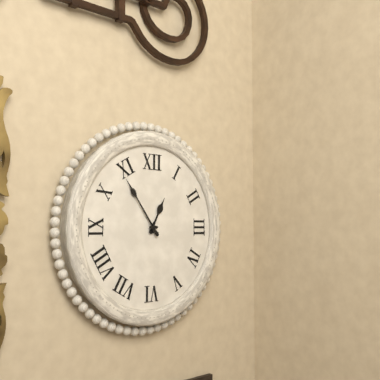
12:54
